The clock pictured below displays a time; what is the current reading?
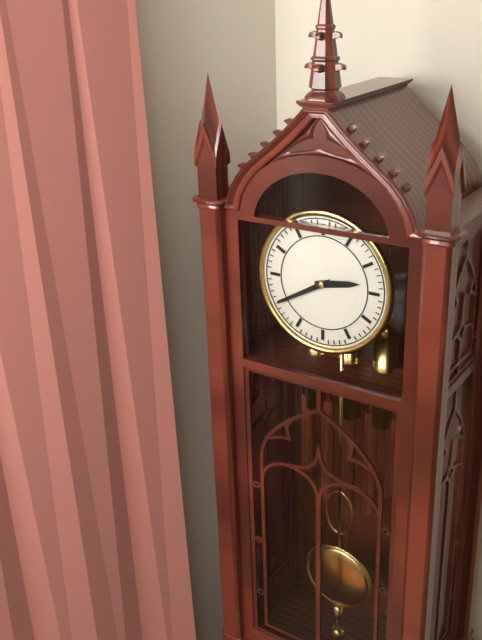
2:40
